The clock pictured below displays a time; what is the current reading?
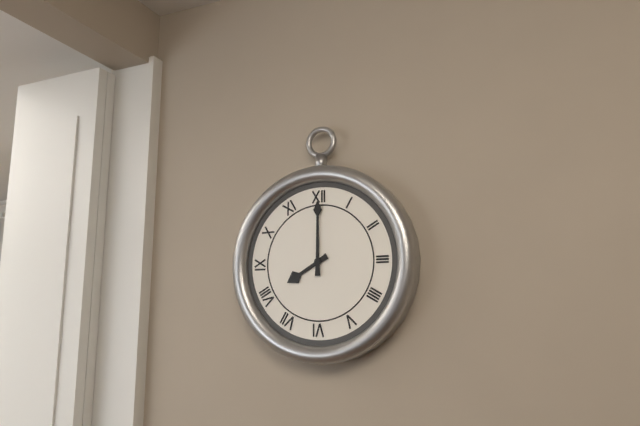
8:00
